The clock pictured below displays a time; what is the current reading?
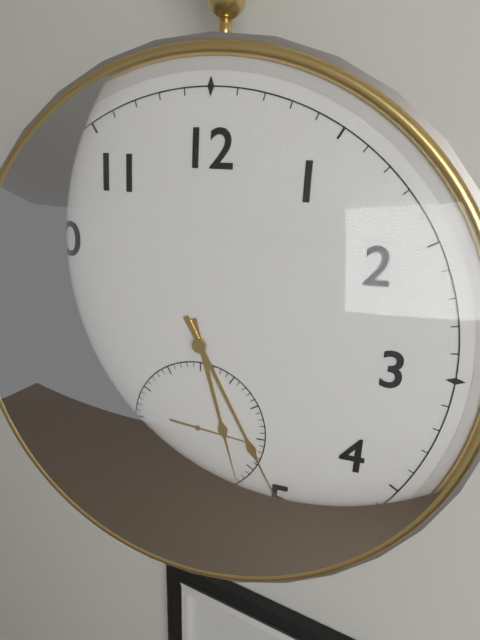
5:25:16
